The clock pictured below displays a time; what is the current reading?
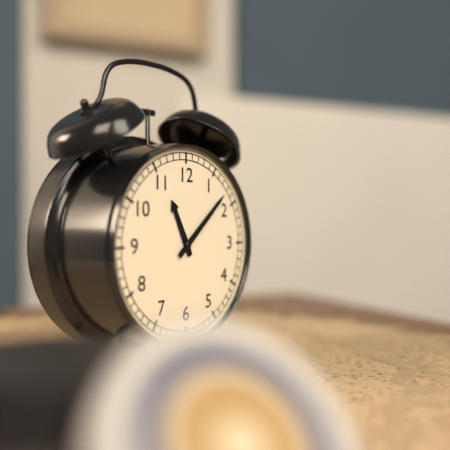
11:08
